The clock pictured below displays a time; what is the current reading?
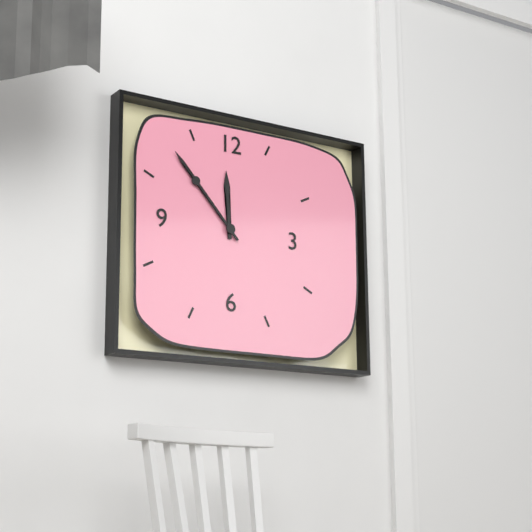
11:53
